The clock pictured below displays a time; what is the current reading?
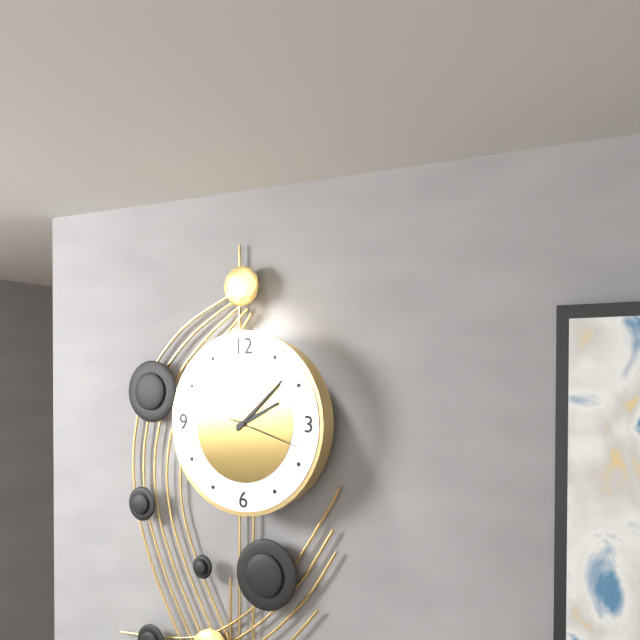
2:08:18
